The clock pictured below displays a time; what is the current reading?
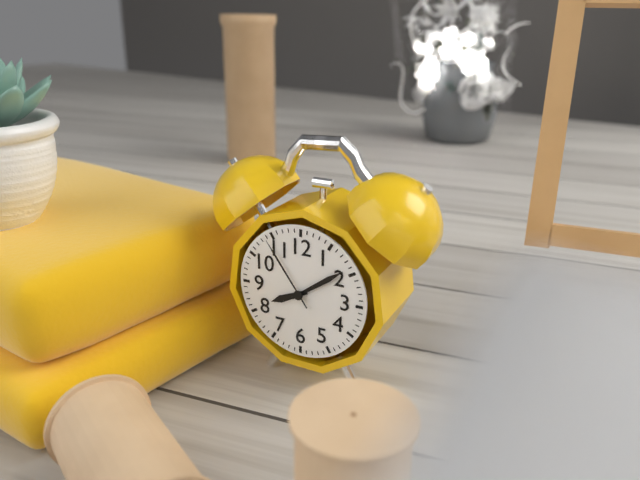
8:09:54
